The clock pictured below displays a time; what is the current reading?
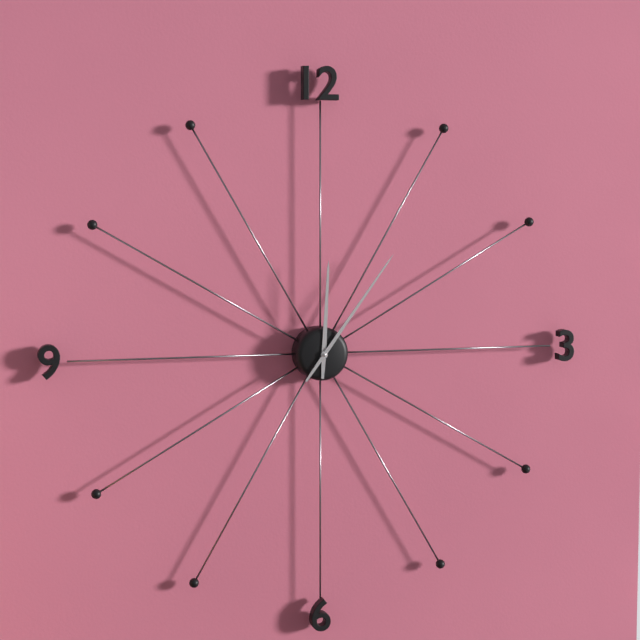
12:06
